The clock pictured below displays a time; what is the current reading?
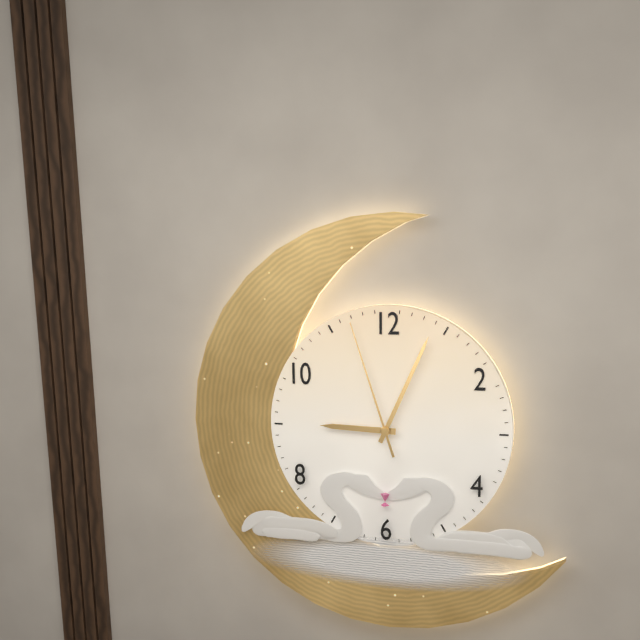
9:04:57
